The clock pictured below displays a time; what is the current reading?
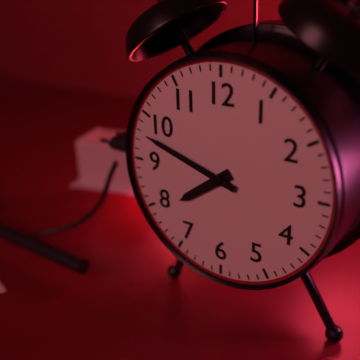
7:48
